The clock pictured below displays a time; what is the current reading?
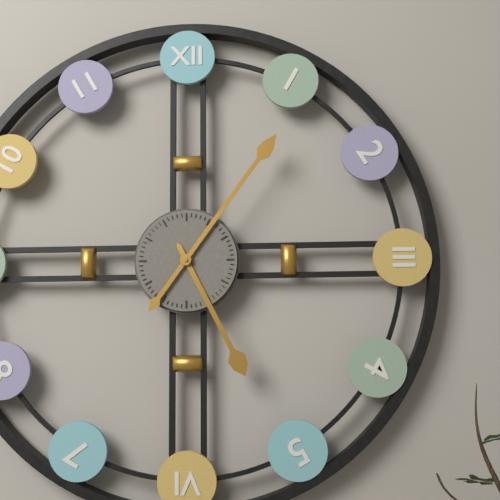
5:06
